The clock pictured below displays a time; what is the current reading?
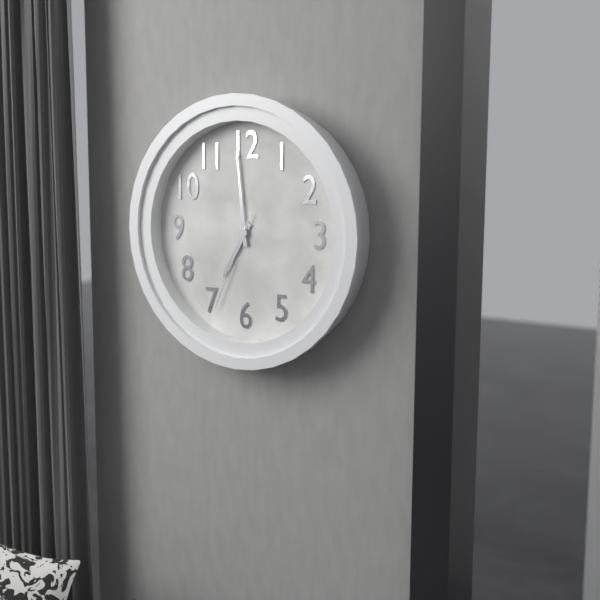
6:59:34
